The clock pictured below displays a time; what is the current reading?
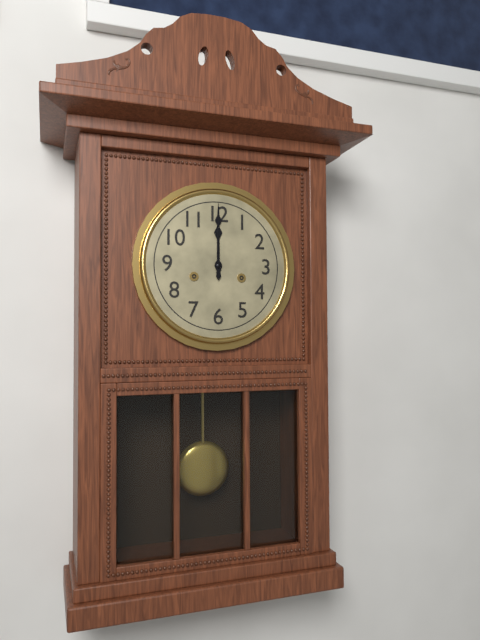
12:00
